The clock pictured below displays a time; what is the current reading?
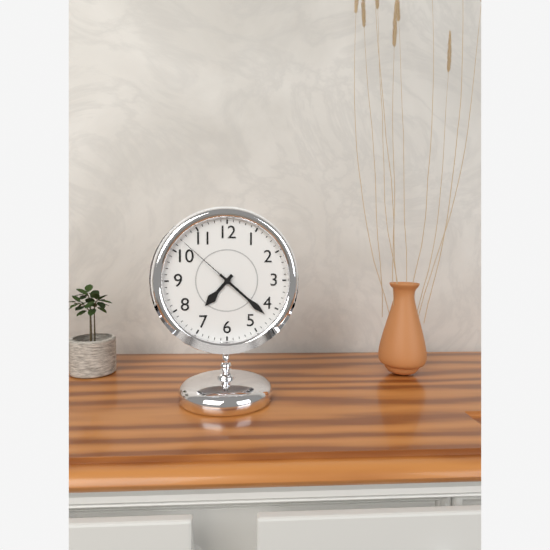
7:22:52
